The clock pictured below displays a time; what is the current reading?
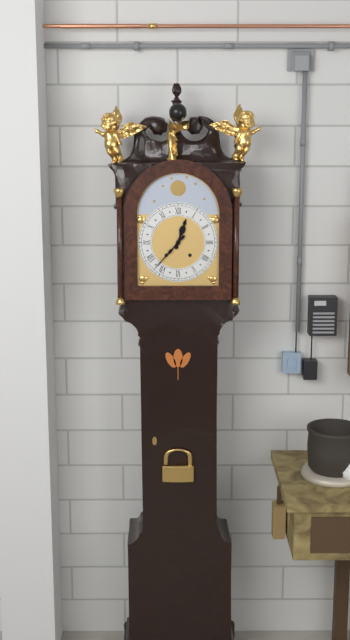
12:37
